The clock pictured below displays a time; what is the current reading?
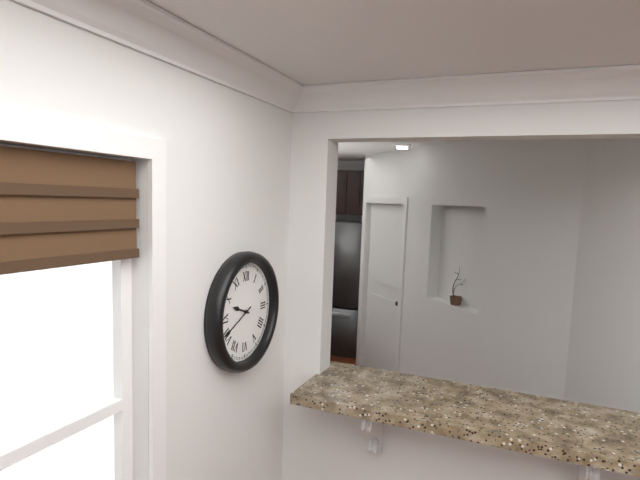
9:41
